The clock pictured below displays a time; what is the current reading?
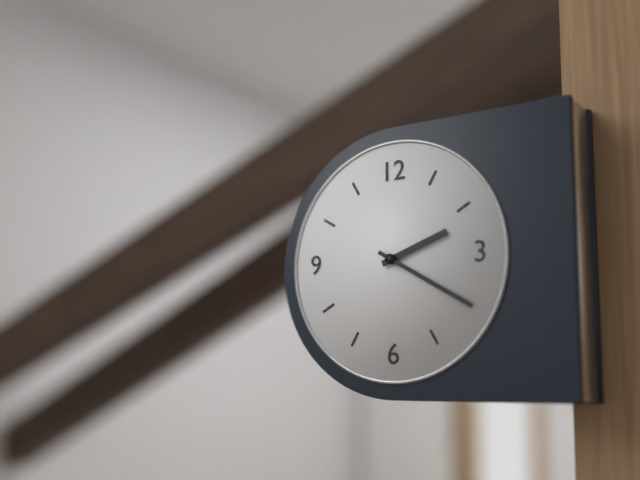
2:20
